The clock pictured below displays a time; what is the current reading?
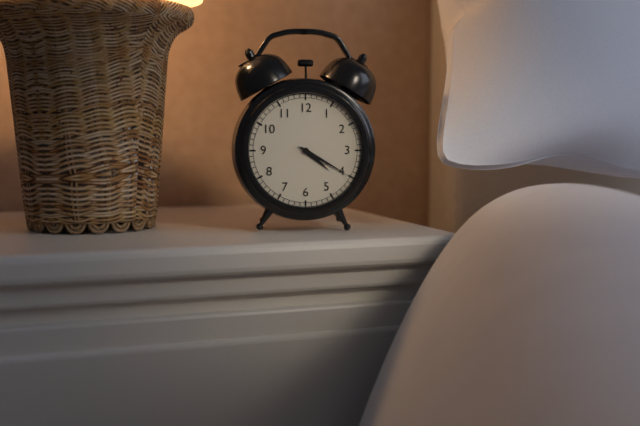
4:20
